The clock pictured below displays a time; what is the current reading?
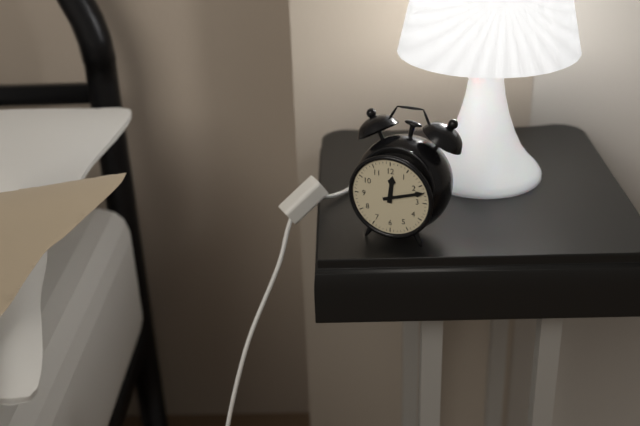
12:12
